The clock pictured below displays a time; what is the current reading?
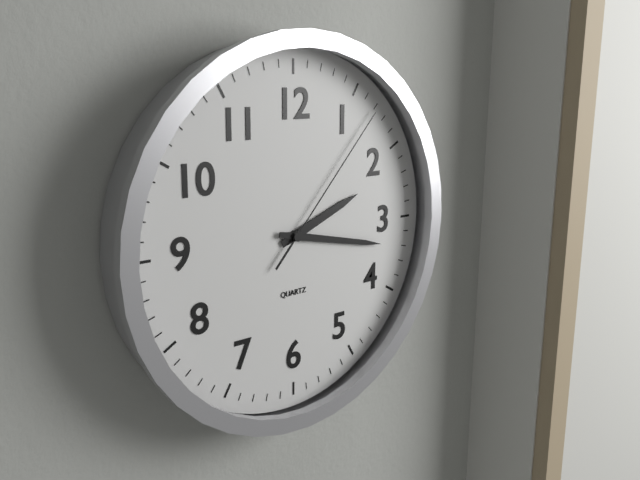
2:17:07
